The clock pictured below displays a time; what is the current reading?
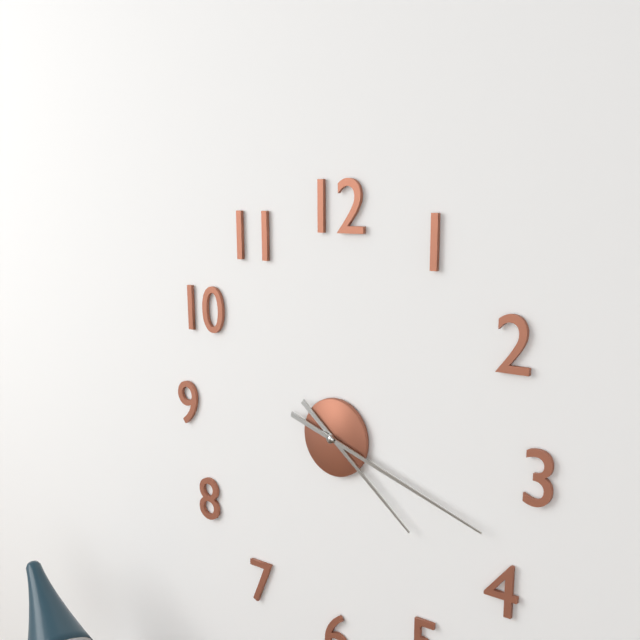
4:18
